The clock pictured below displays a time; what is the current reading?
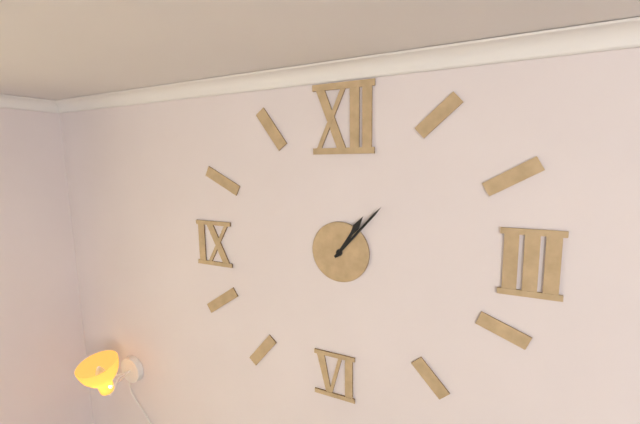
1:07
